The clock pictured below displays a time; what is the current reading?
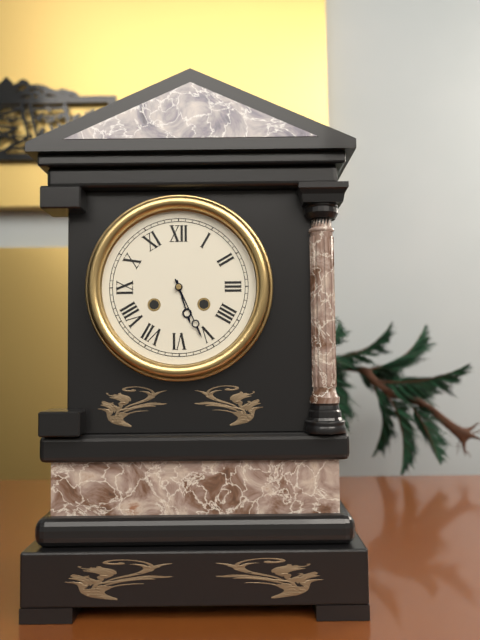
5:26
